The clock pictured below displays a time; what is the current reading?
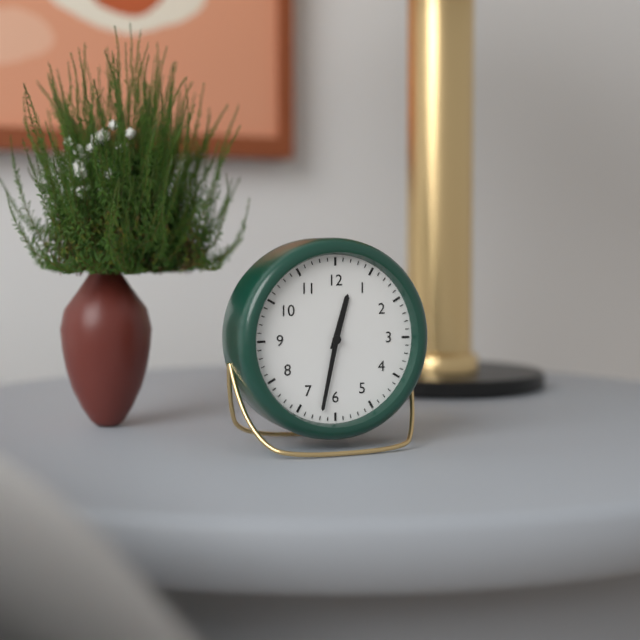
12:32
